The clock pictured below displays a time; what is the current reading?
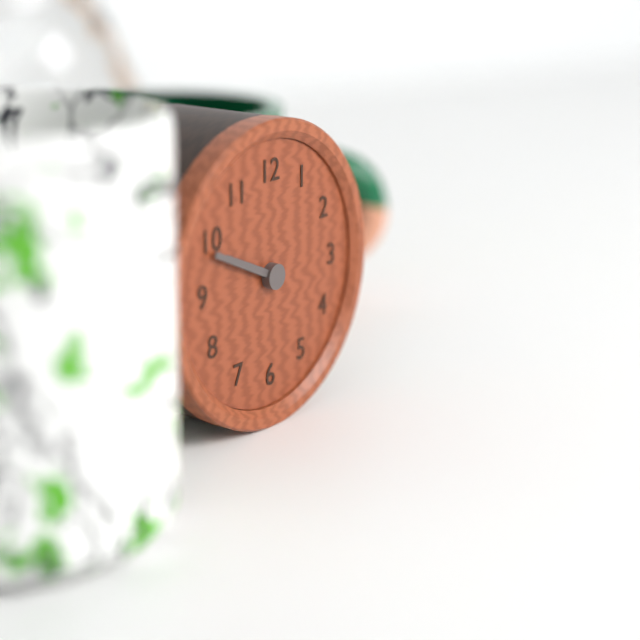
9:49
